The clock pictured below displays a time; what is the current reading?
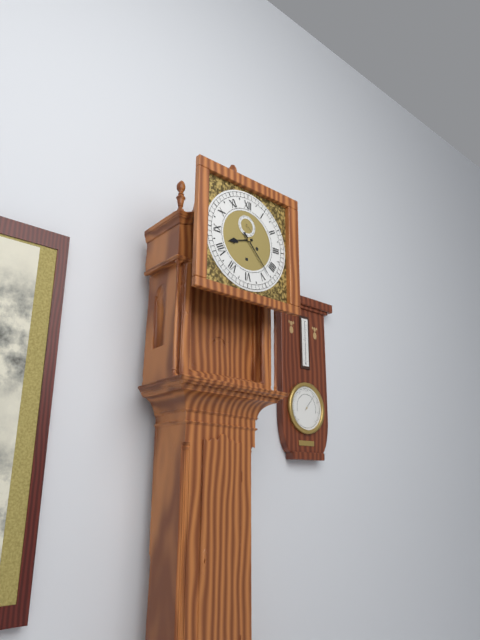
8:23
